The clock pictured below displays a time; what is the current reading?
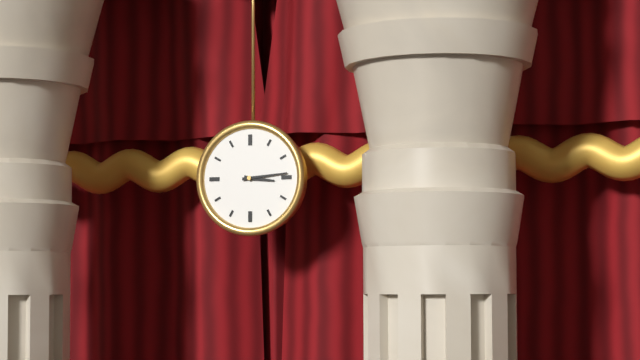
3:14
